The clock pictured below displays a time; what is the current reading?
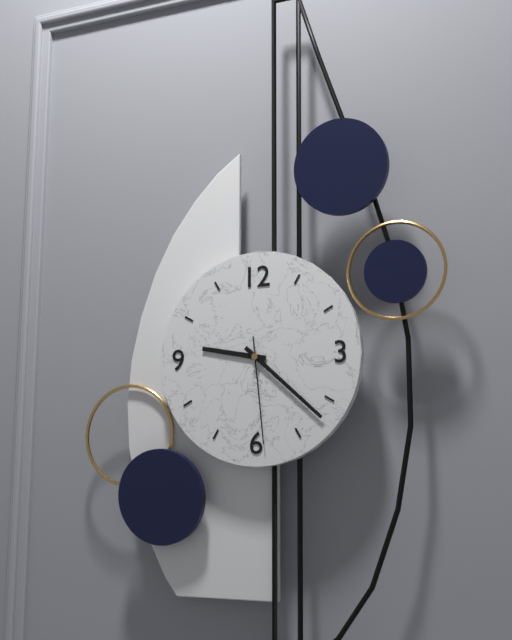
9:22:29
